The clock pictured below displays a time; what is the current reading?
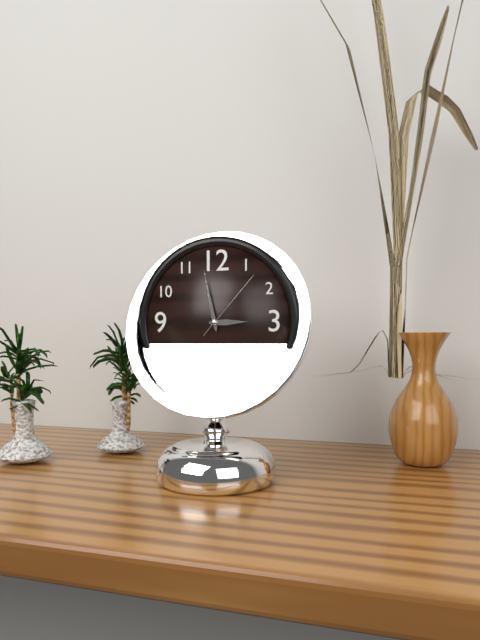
2:58:07
